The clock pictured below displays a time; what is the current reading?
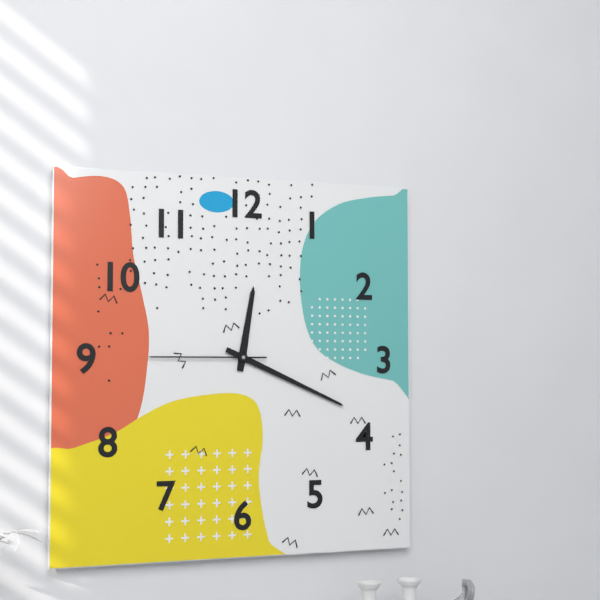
12:19:45
